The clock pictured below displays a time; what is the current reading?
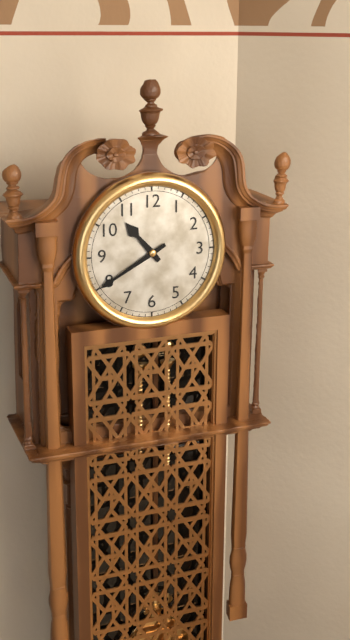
10:40
